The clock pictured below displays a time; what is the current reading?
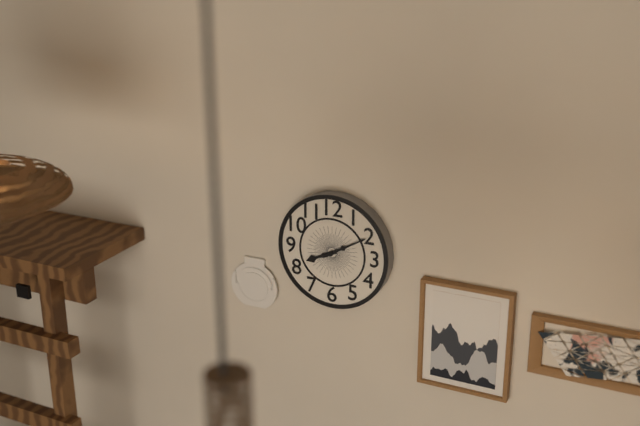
8:10
